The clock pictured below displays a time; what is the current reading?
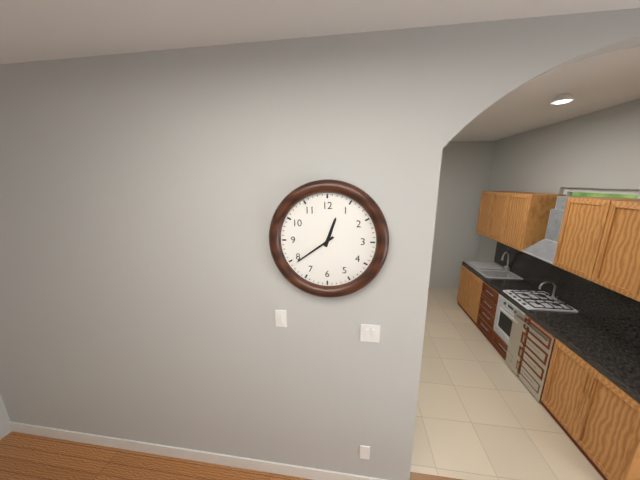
12:39
